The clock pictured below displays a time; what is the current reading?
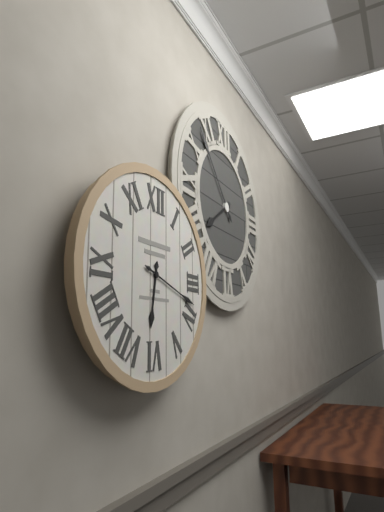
6:18
